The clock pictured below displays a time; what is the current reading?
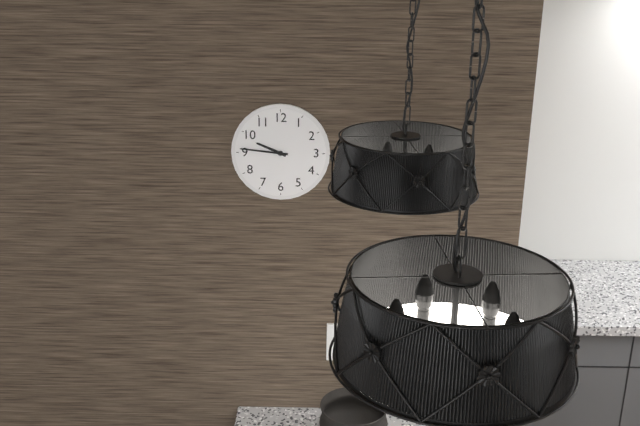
9:46
